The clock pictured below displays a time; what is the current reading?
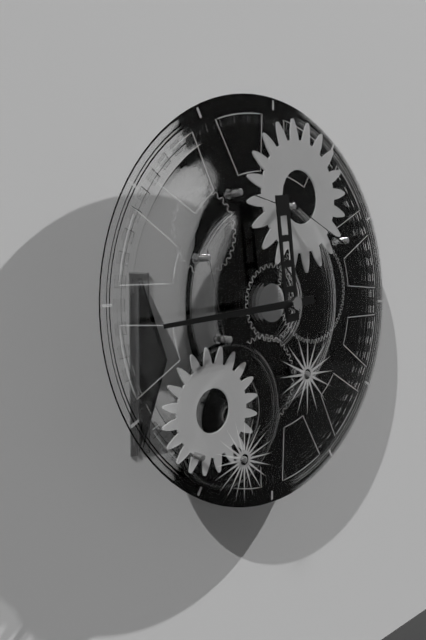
11:44
